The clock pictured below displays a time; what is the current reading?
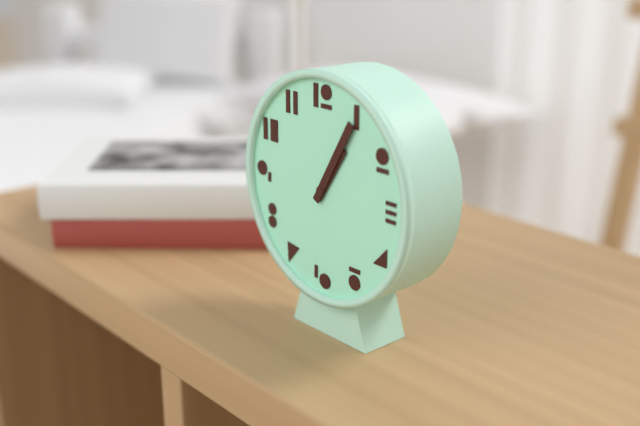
1:05
